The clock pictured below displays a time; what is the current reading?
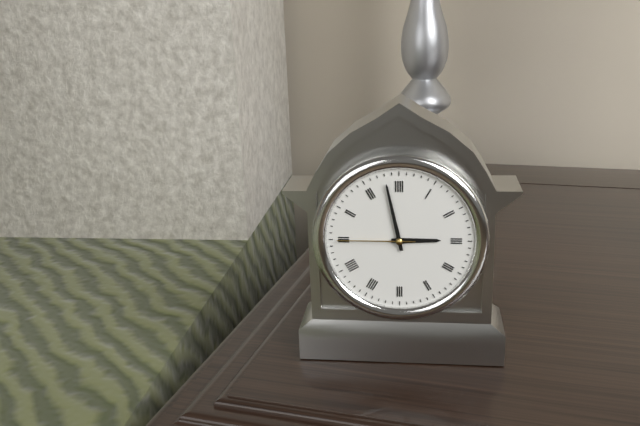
2:58:45
